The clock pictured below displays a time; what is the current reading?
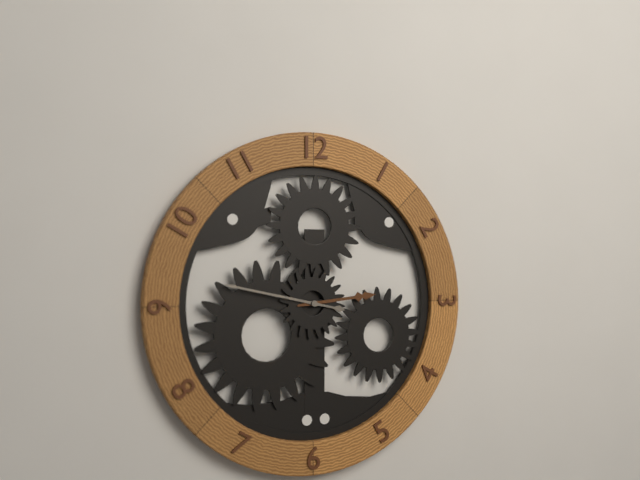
2:47
